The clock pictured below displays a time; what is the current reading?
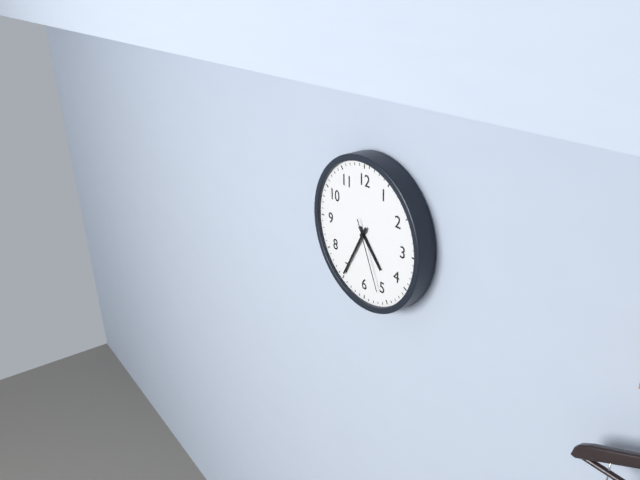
4:35:26
